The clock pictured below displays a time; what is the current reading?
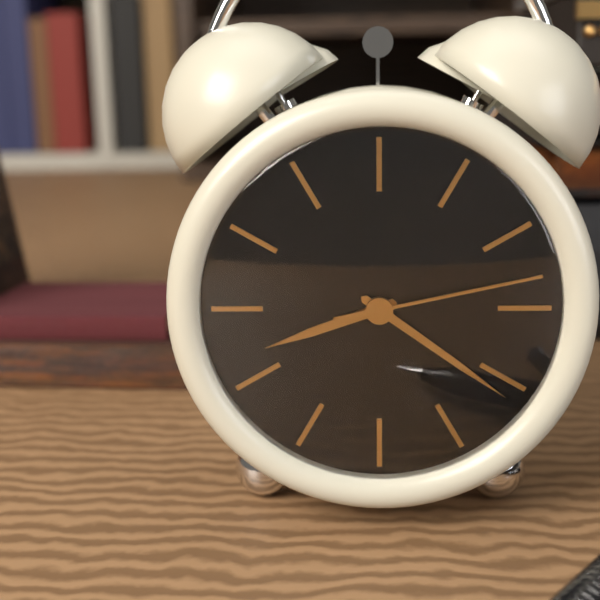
8:21:13
